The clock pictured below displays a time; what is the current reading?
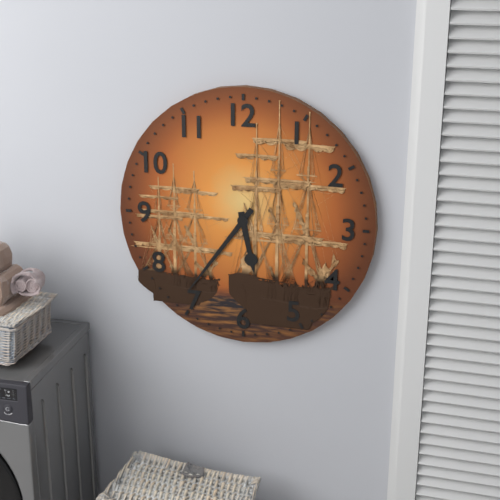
5:36
